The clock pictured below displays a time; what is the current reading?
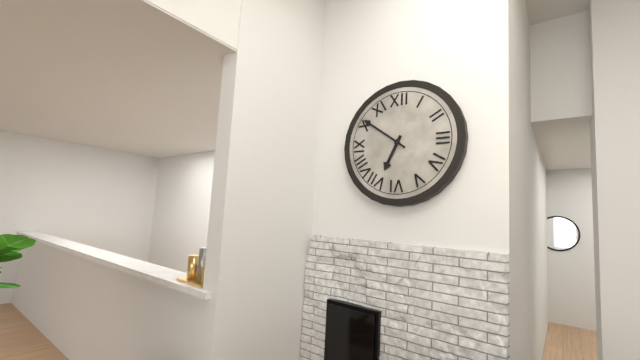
6:51
